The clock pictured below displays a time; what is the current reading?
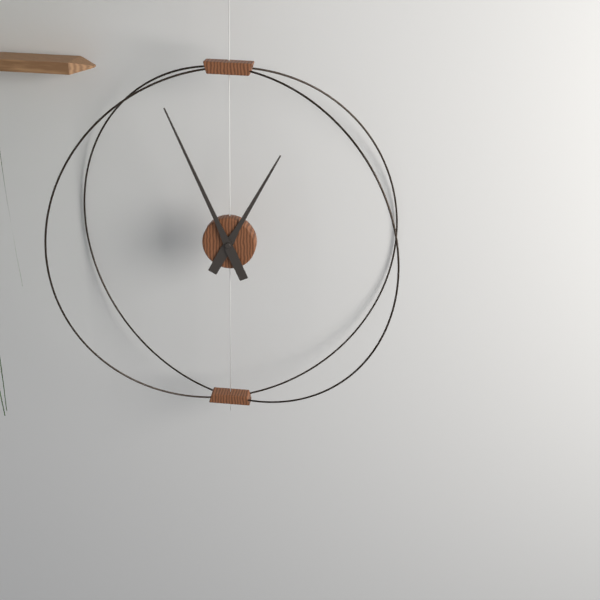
12:56
